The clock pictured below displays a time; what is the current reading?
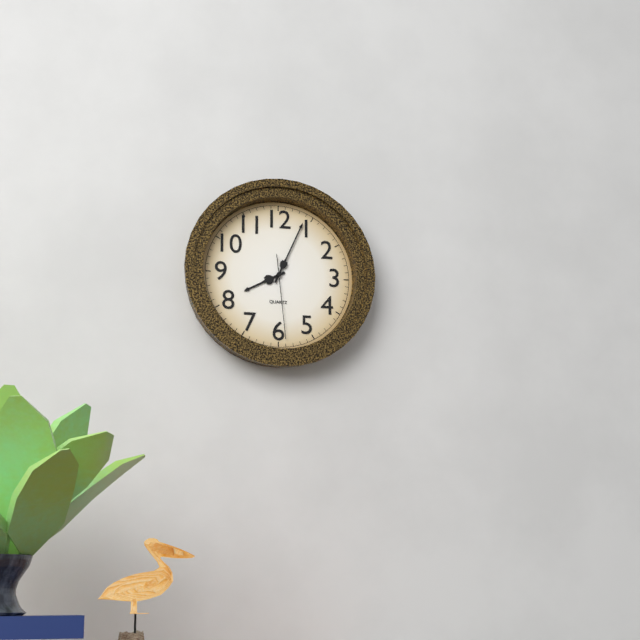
8:04:29
